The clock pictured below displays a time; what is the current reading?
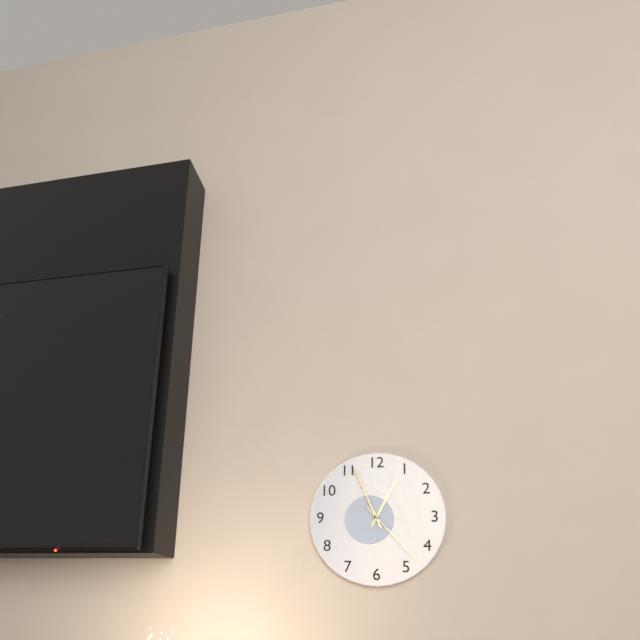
12:56:23
